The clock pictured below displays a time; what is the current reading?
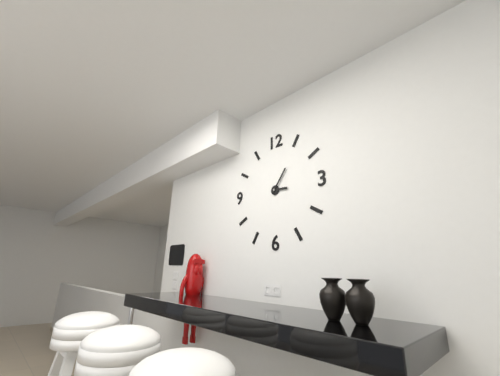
3:06
